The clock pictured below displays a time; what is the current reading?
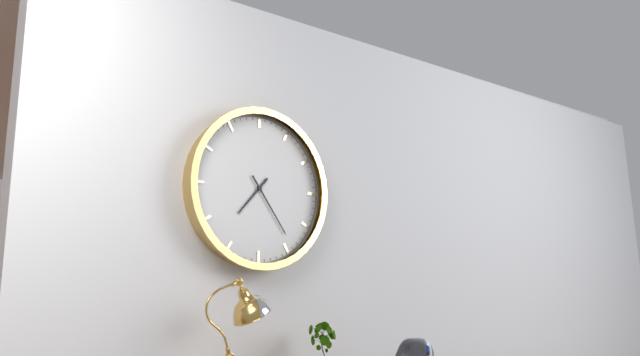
7:24
